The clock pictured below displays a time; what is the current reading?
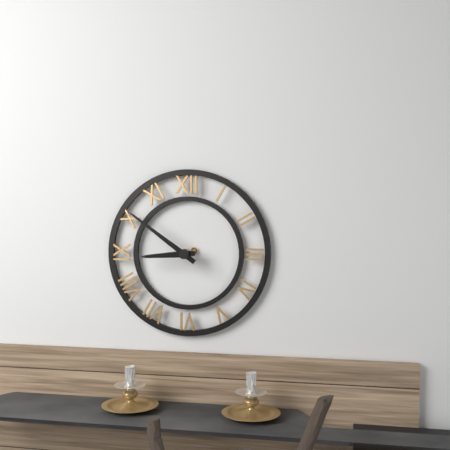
8:51
